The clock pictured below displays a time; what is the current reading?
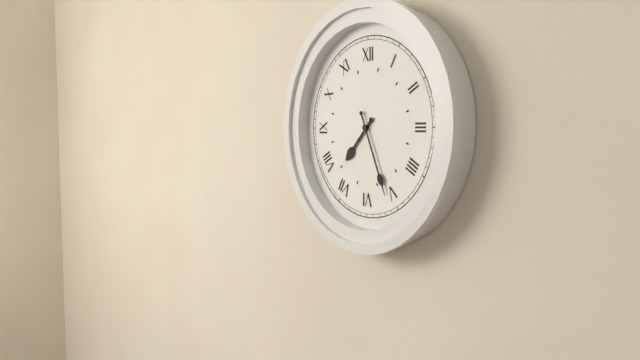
7:26
